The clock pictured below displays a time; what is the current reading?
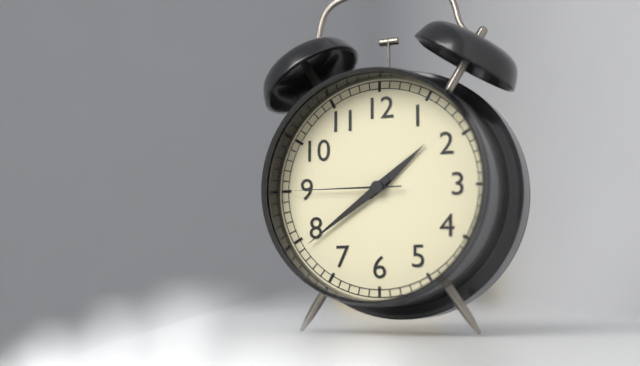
1:39:45
